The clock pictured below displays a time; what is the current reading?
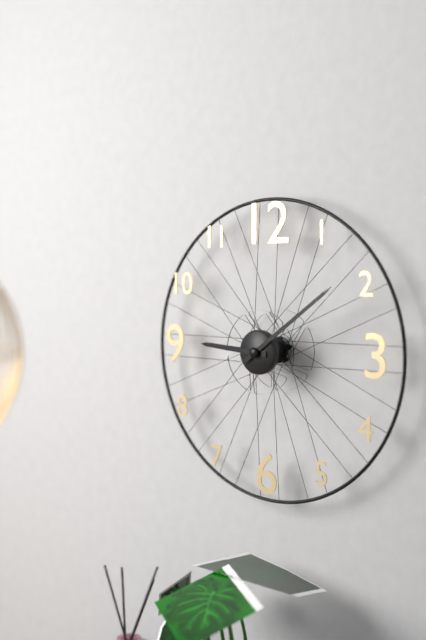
9:09
